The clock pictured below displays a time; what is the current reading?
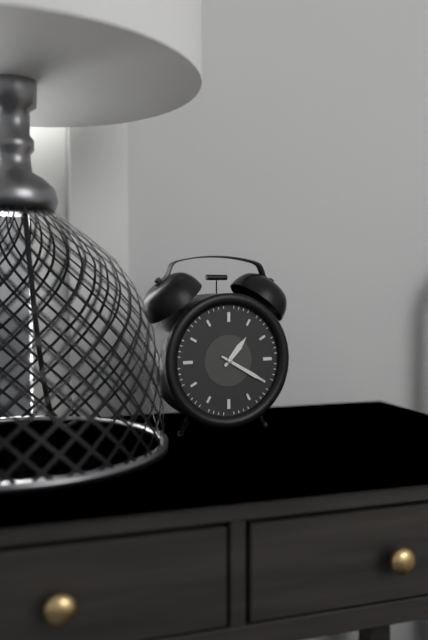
1:20
